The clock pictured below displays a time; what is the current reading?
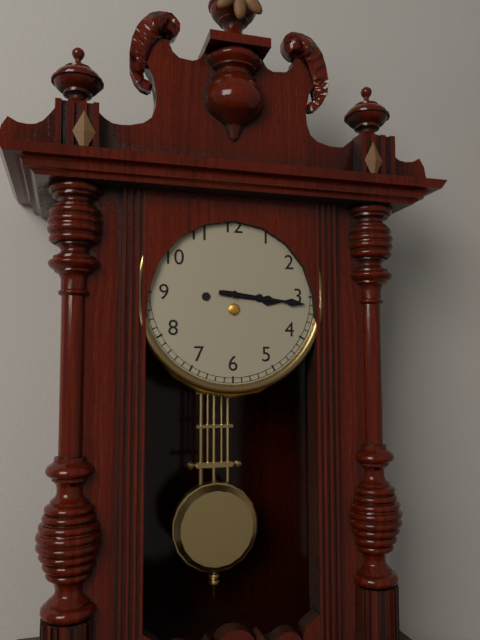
3:16
